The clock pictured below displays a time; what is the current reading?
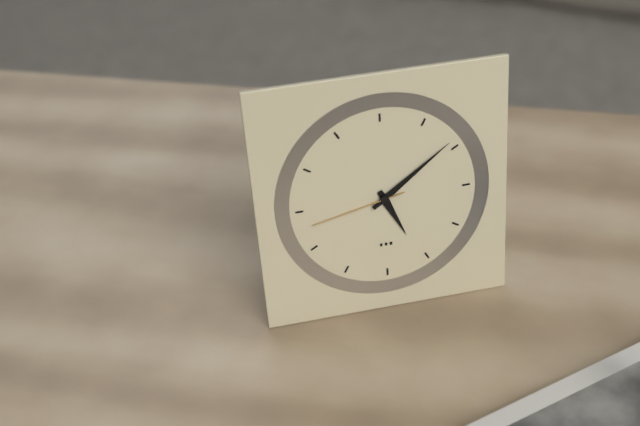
5:09:43
